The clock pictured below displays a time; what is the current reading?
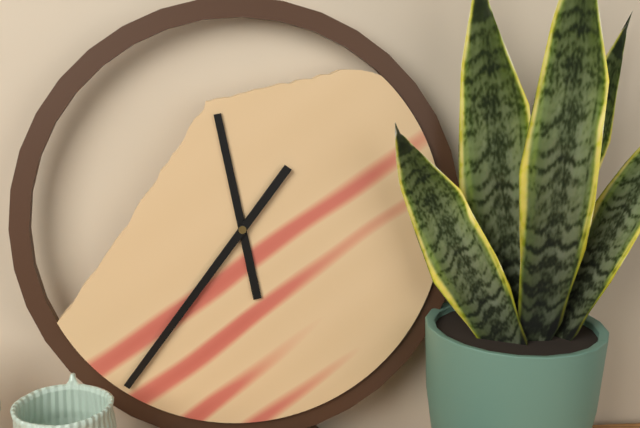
11:36
